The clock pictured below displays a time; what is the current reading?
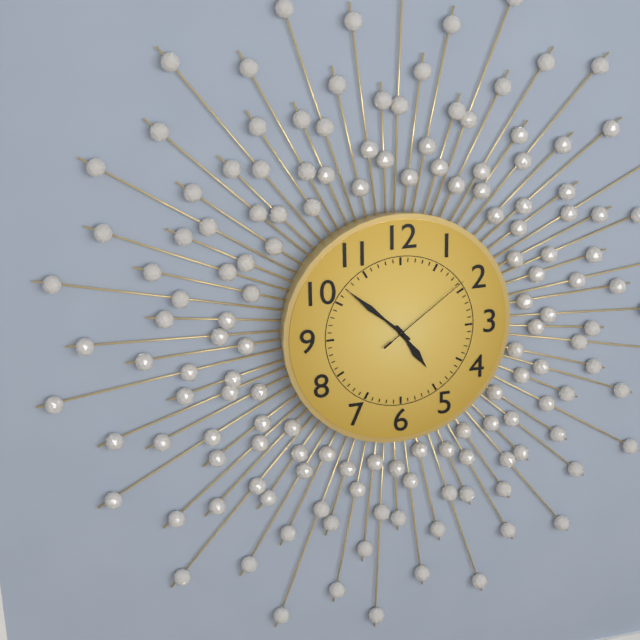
4:52:09
